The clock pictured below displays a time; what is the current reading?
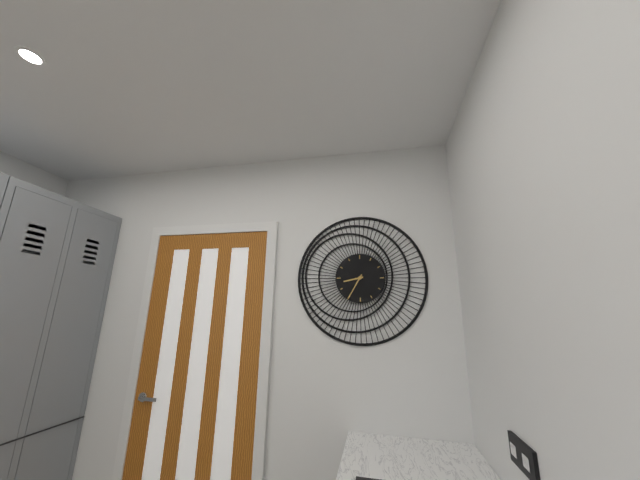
8:35
